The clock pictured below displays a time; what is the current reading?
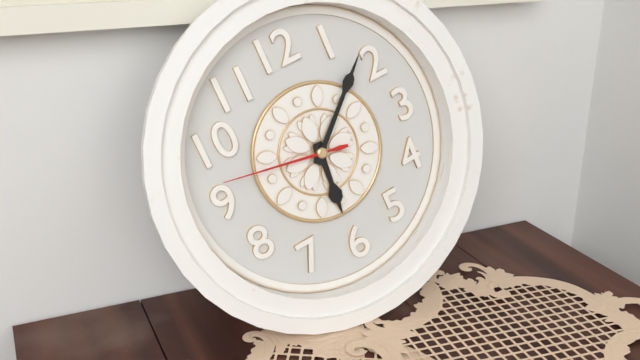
6:08:47
